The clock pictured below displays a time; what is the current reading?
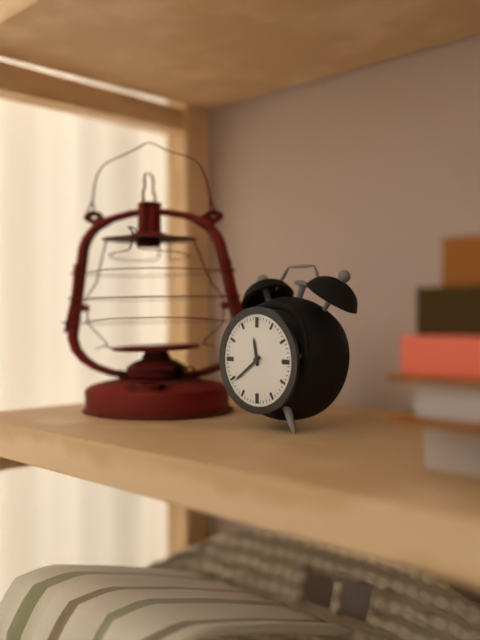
11:39
